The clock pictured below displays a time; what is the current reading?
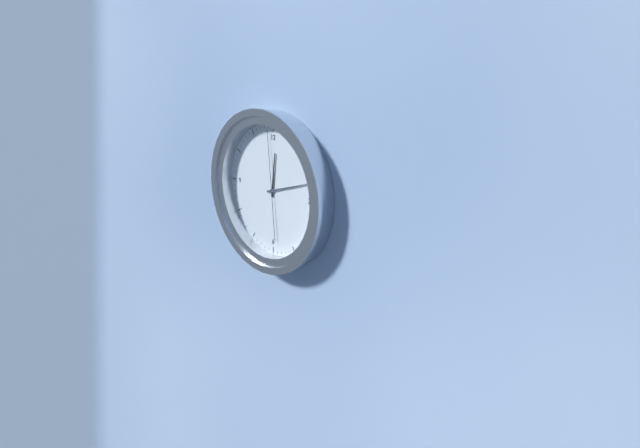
12:12:59
